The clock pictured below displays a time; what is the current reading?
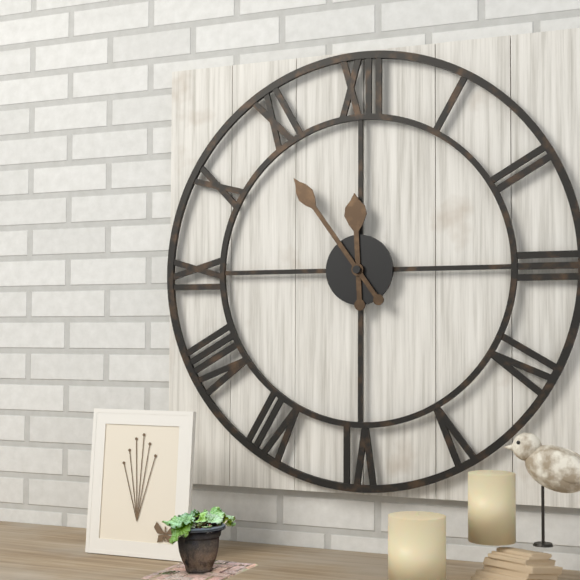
11:54
